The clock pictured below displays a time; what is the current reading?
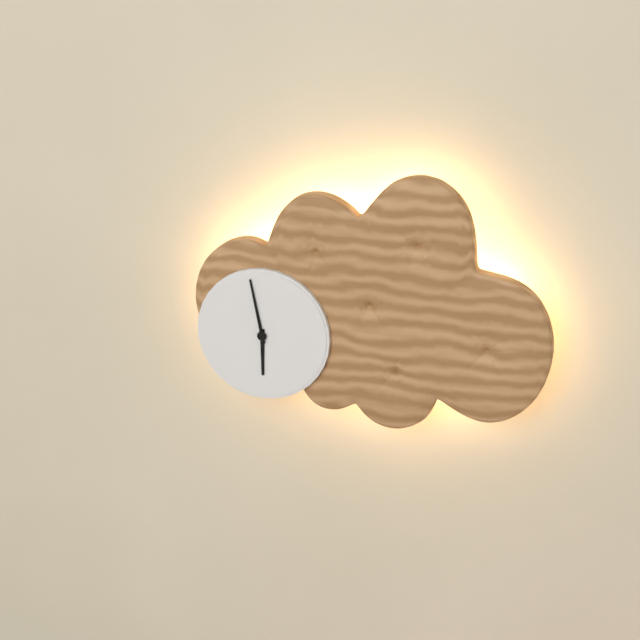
5:58
